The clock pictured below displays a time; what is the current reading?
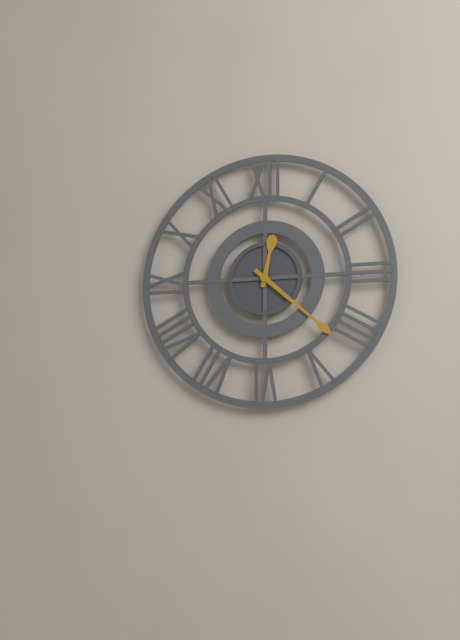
12:22
